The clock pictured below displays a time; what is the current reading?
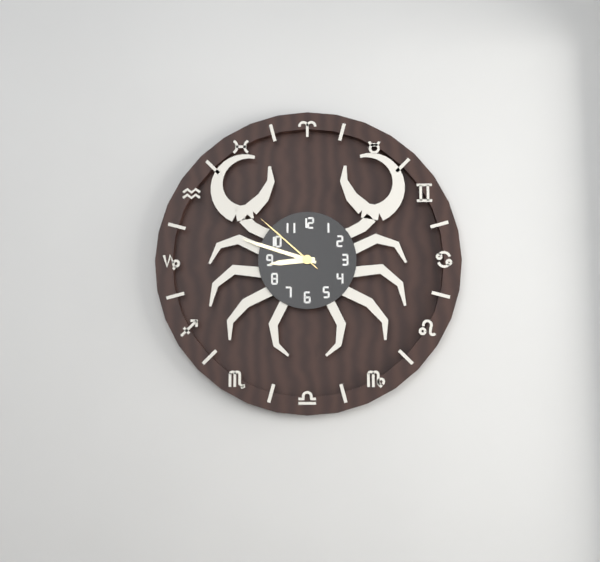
8:48:52
